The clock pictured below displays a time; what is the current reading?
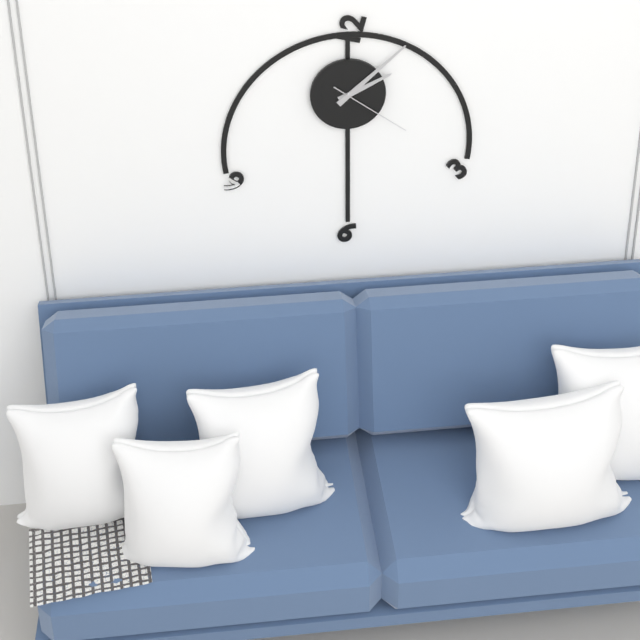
2:08:21
